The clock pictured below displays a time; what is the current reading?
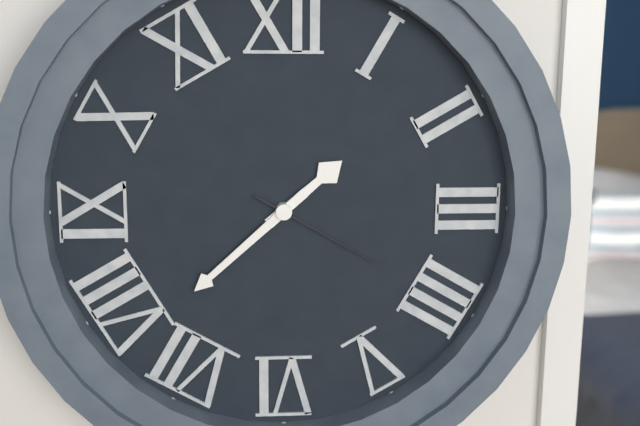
1:38:20
